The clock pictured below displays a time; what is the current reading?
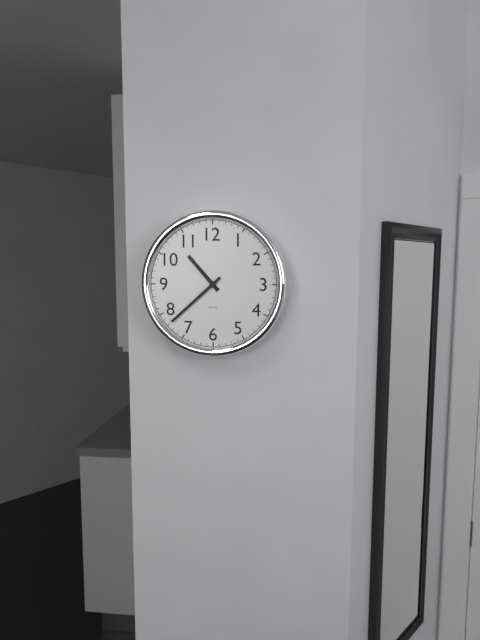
10:38
